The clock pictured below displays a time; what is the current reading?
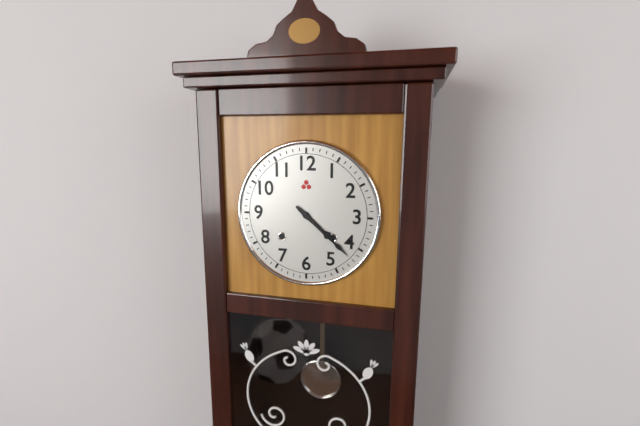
4:22
